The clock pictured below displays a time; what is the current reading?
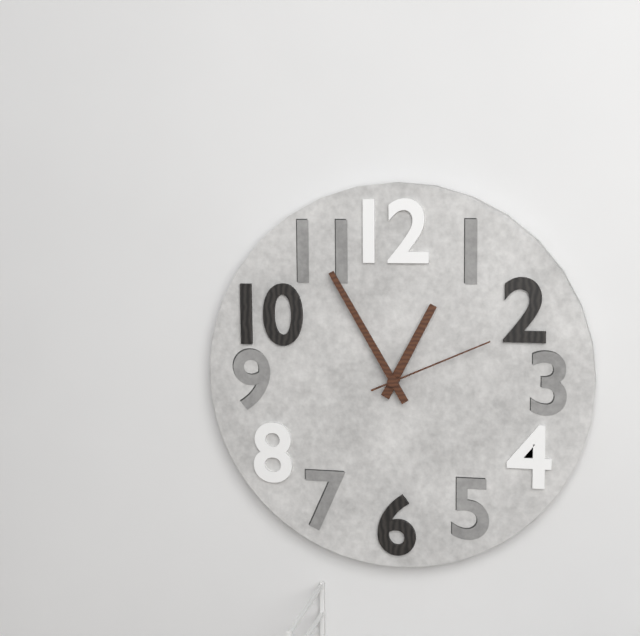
12:55:11
